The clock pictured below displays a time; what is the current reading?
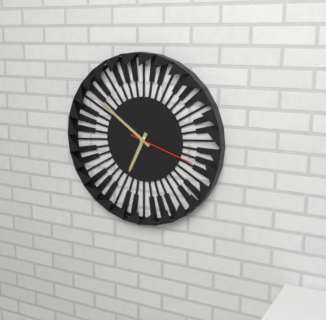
6:51:18
